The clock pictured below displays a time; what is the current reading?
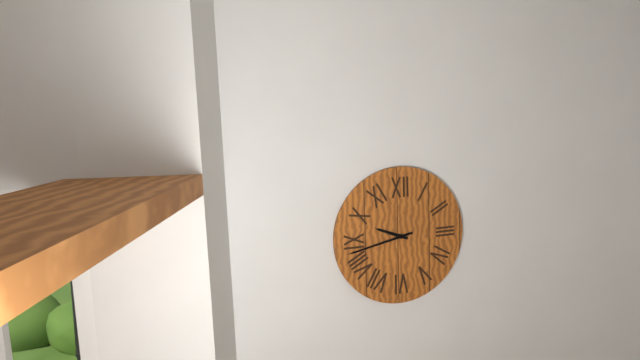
9:43
